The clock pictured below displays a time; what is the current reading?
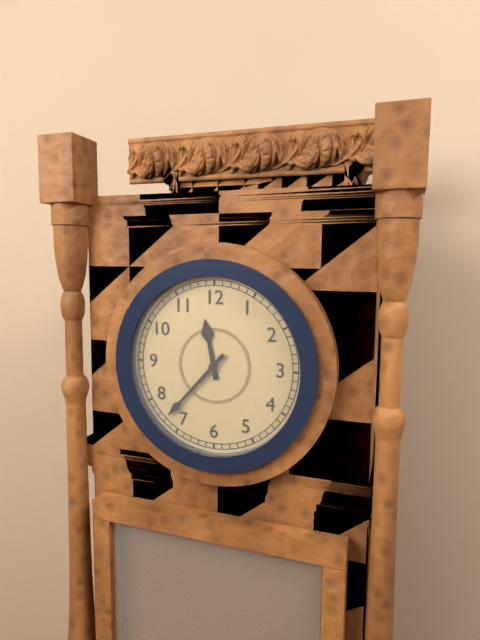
11:37
